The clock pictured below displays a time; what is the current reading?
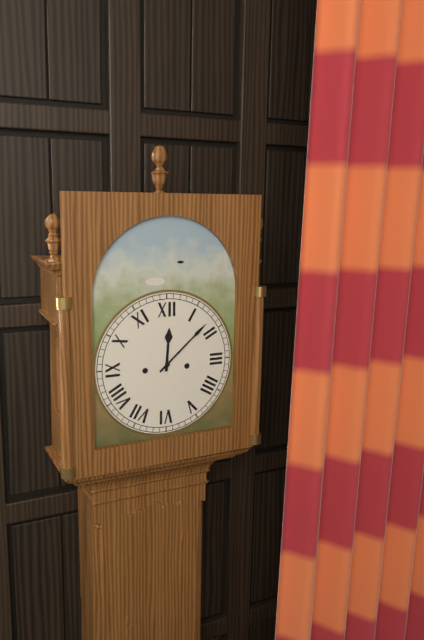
12:08
